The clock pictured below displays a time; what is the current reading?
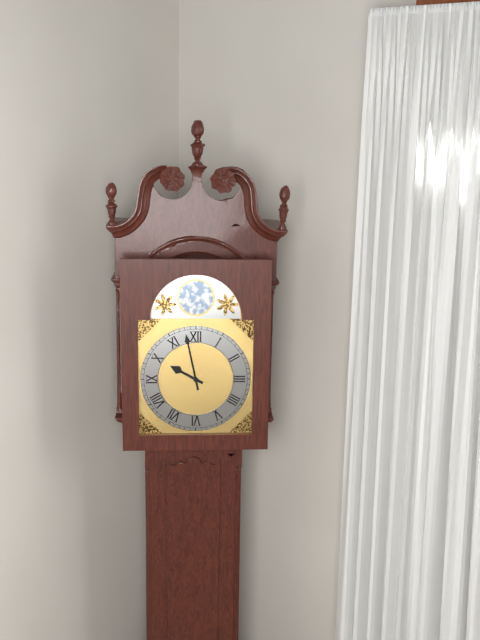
9:58
